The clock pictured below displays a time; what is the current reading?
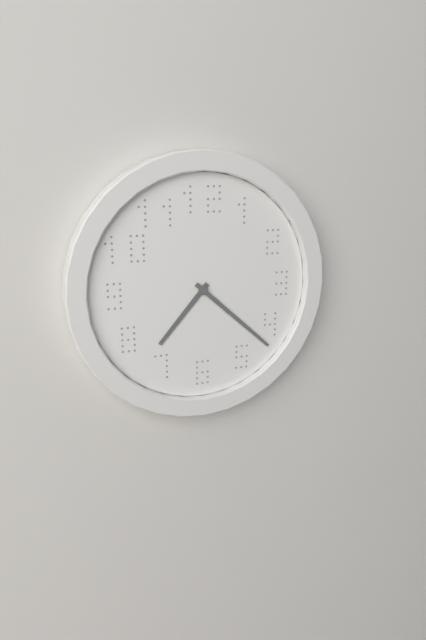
7:22
